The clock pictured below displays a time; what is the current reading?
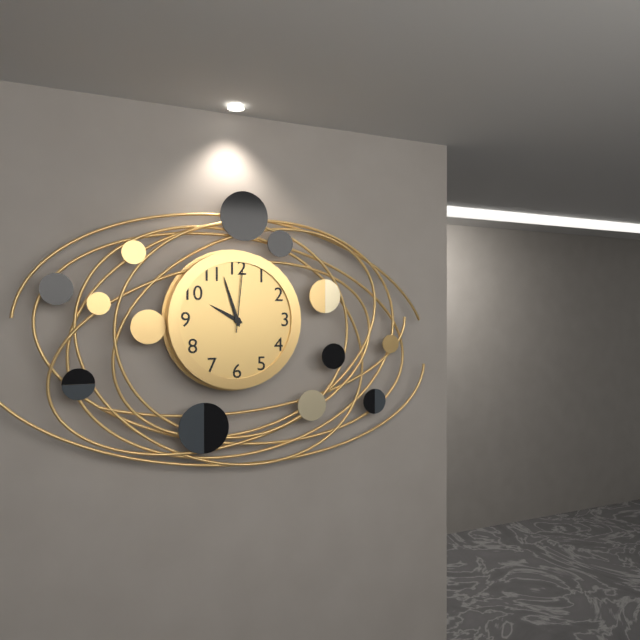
9:57:01
